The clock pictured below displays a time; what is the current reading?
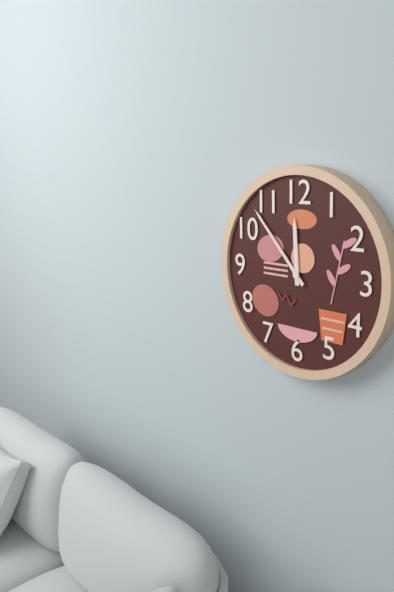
11:53
